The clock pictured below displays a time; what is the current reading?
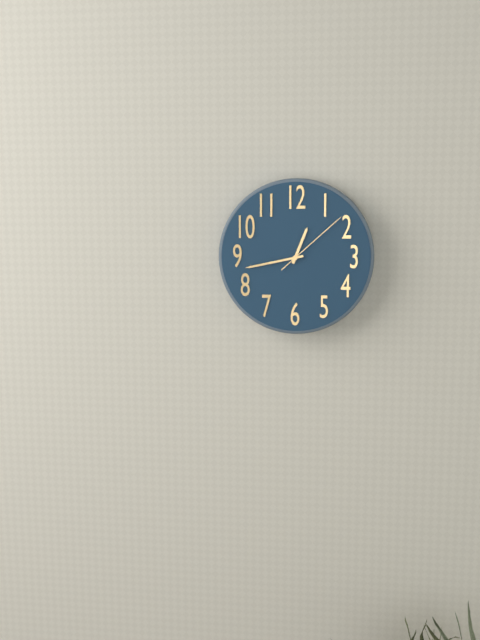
12:43:08
